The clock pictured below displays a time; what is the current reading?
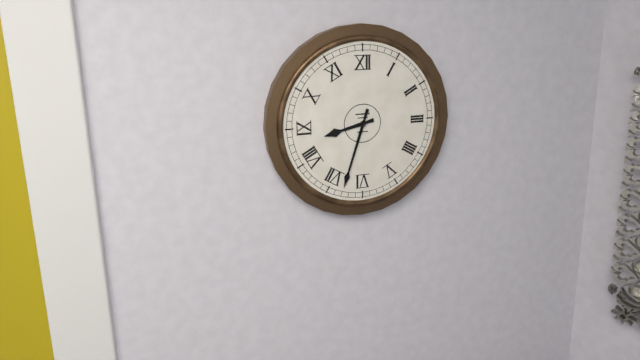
8:33
